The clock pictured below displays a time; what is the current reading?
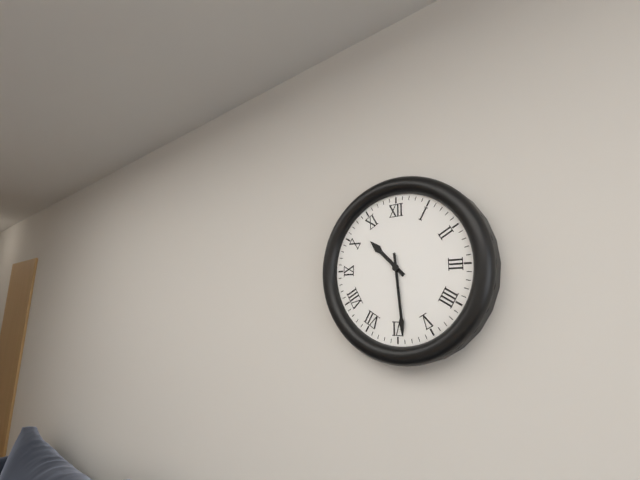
10:29
